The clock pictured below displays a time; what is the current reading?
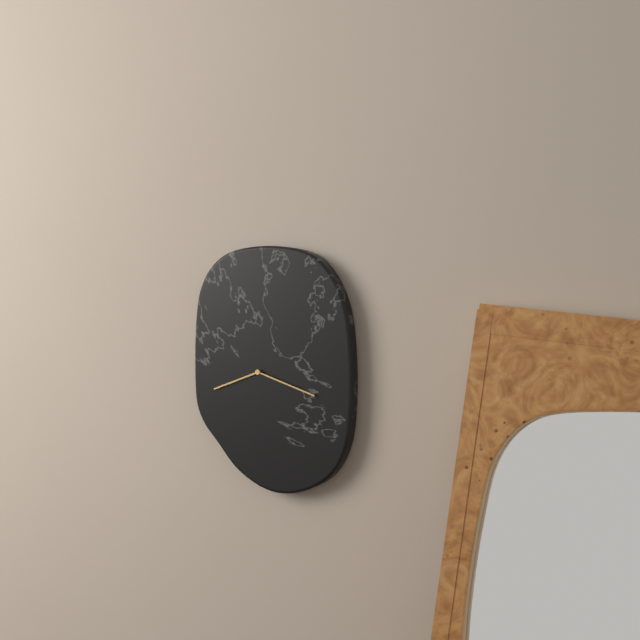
8:18
